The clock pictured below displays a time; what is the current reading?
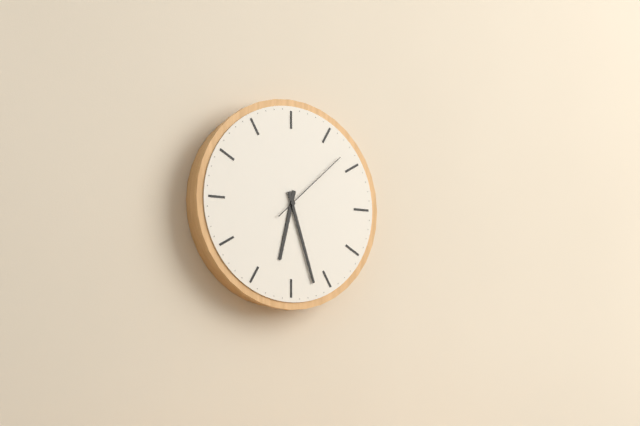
6:27:08
